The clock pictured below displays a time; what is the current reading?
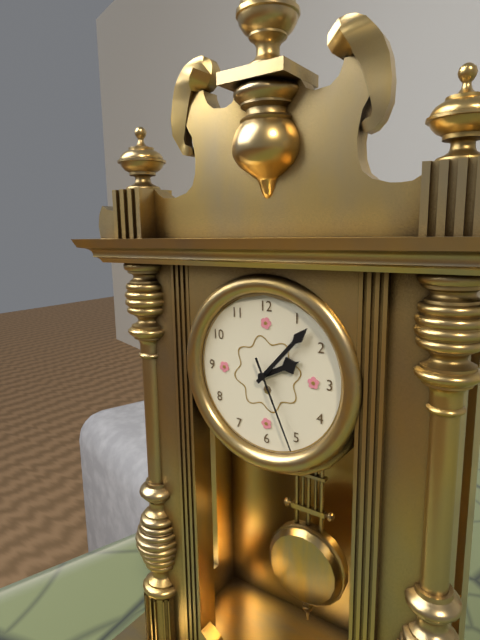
2:07:26
